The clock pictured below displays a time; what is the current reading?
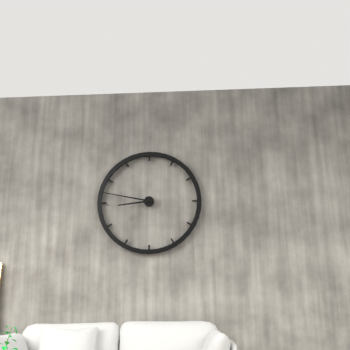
8:47
